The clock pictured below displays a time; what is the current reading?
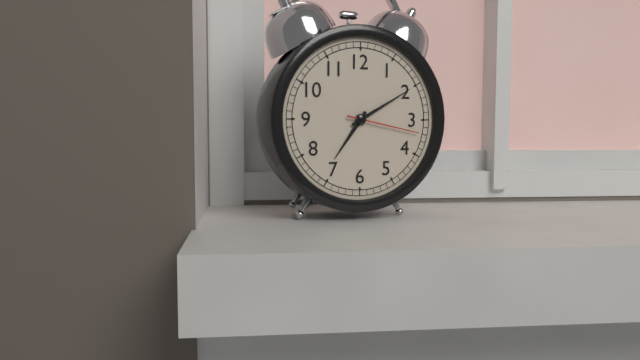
7:10:17
